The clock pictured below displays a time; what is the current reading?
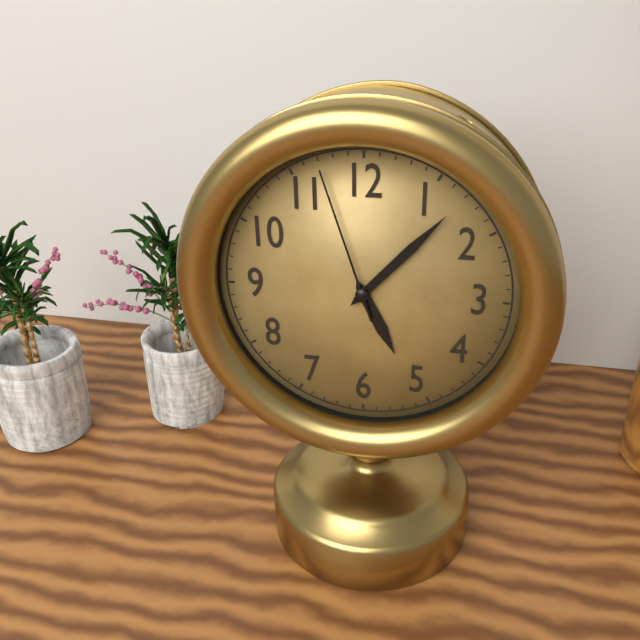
5:07:57
